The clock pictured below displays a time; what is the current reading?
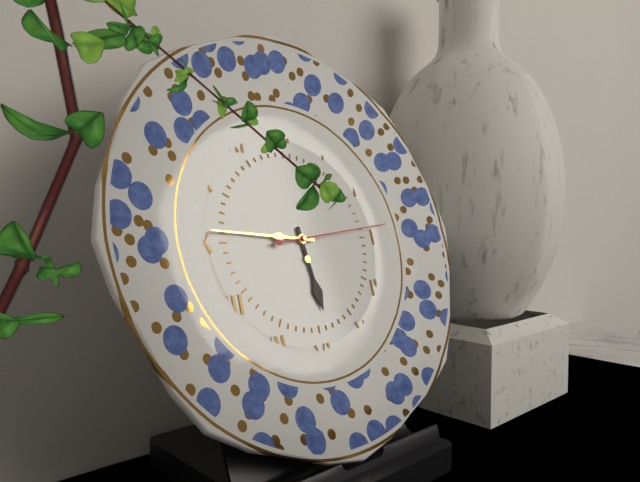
5:46:14
